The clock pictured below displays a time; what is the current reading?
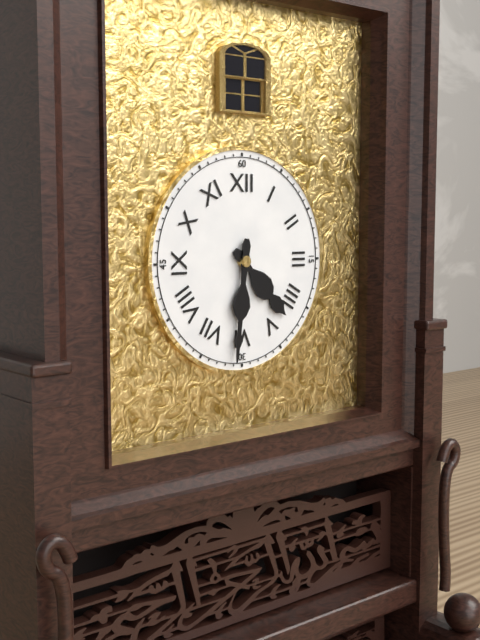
4:31
